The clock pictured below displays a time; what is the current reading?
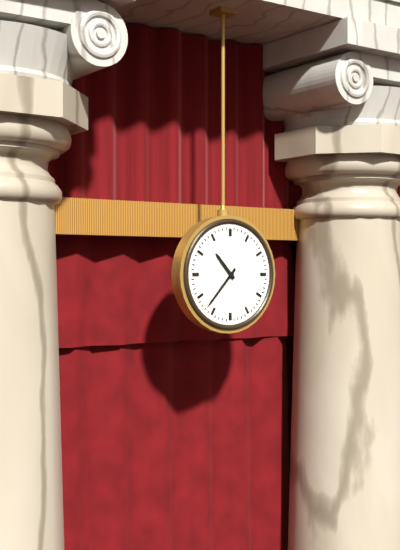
10:37
